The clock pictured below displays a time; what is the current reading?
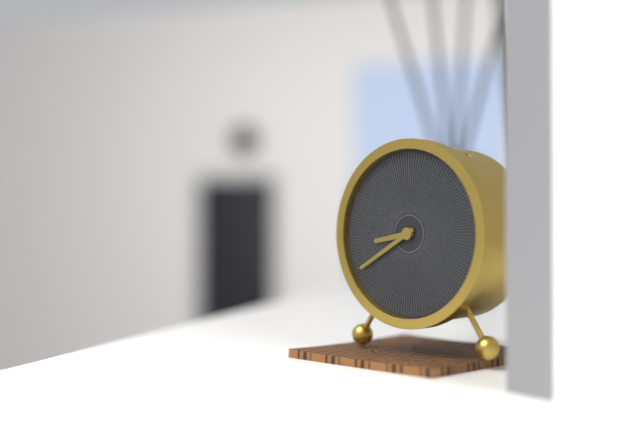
8:40
